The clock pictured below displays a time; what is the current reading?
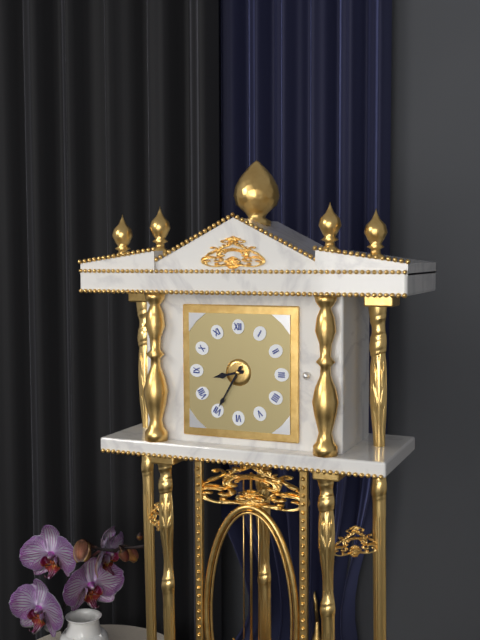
8:35
